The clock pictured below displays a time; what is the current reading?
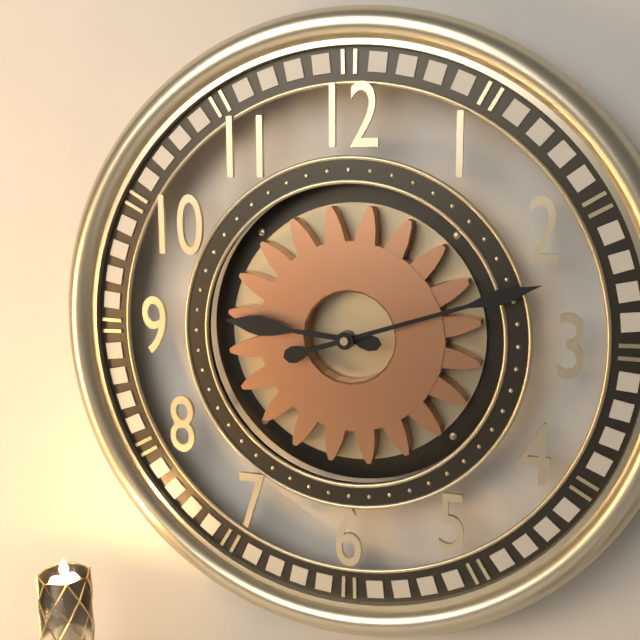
9:12
